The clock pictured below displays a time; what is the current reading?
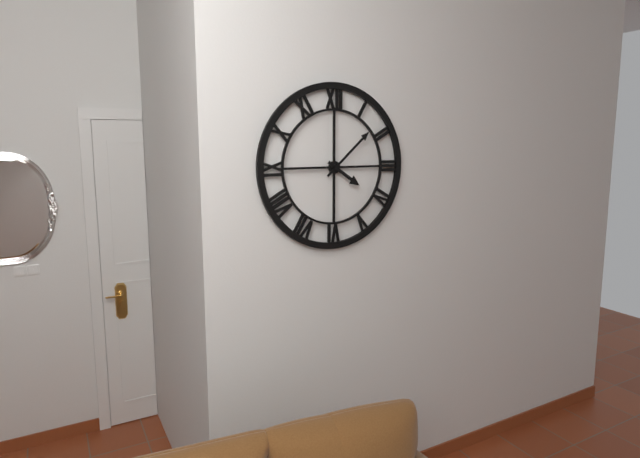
4:08
